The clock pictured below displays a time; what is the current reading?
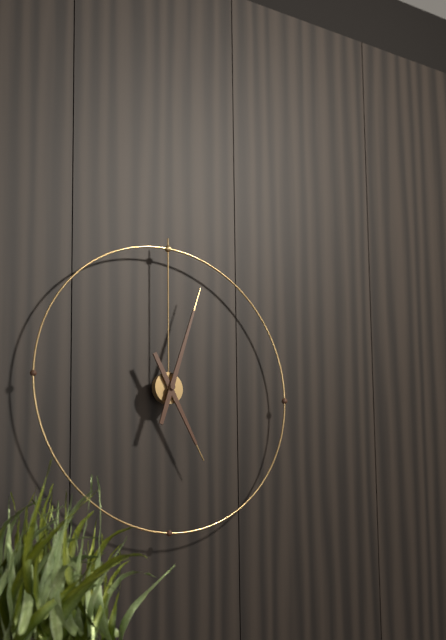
5:03
